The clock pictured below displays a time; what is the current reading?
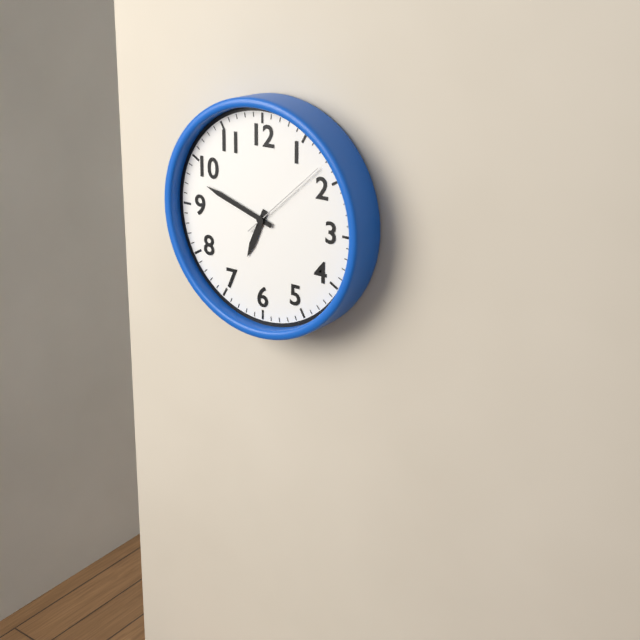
6:48:08
